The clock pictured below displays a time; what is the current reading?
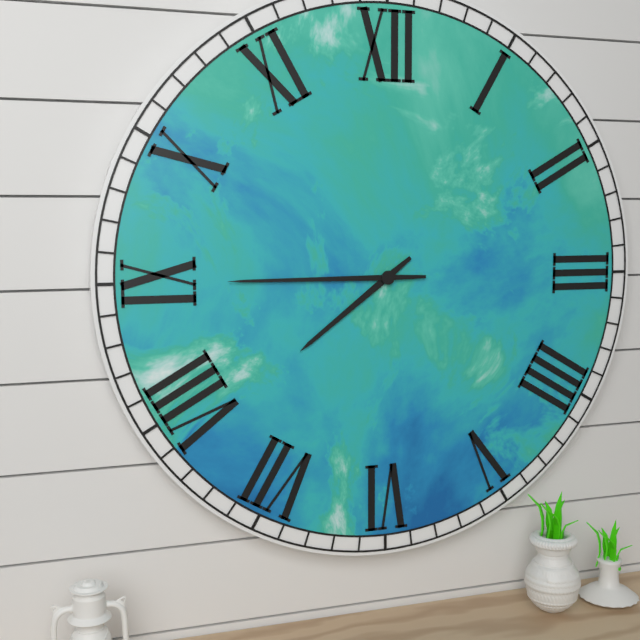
7:45
